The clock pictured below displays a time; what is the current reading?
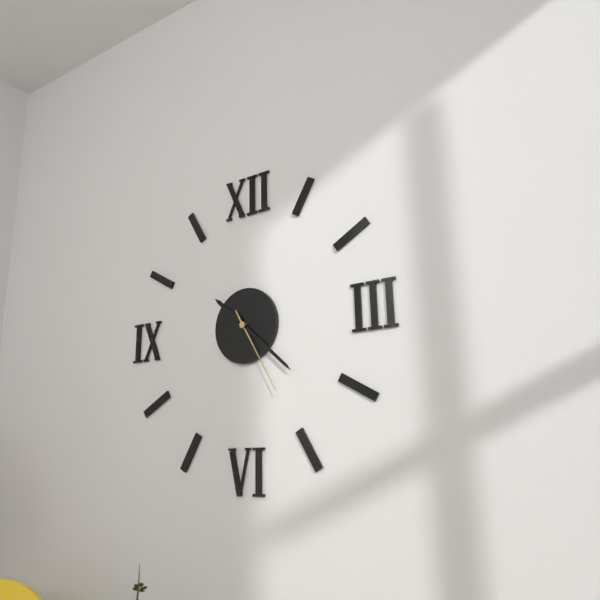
10:22:25
